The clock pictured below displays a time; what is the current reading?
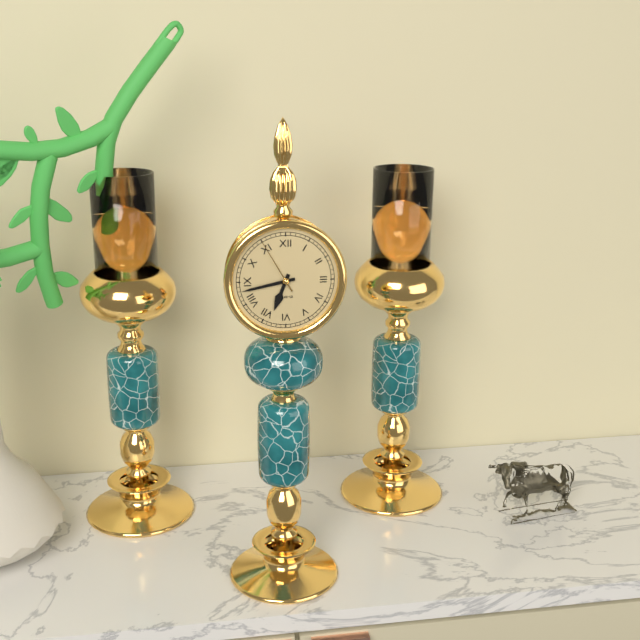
6:43:55
